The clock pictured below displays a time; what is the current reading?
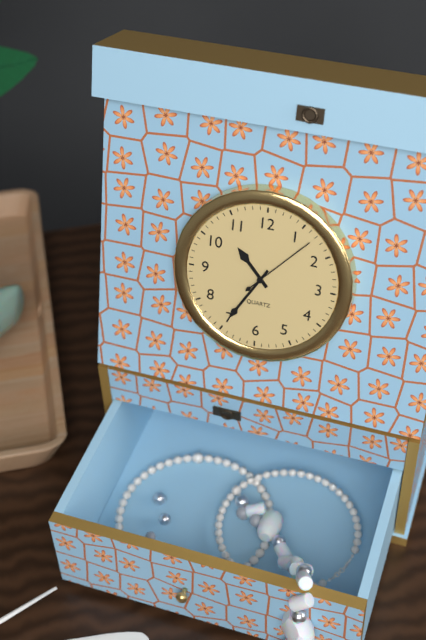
10:35:07
